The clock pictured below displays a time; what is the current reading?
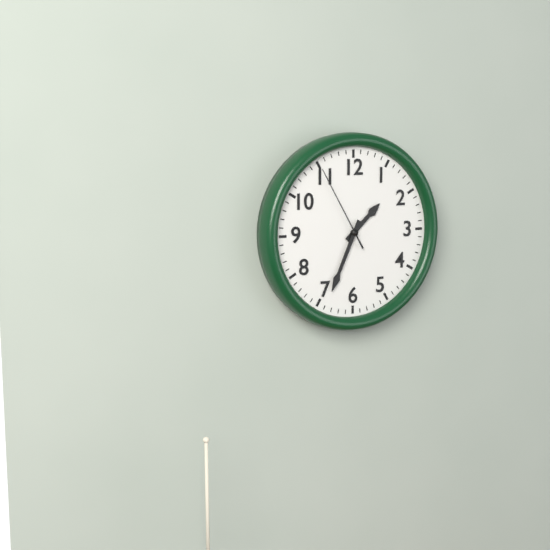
1:34:55
